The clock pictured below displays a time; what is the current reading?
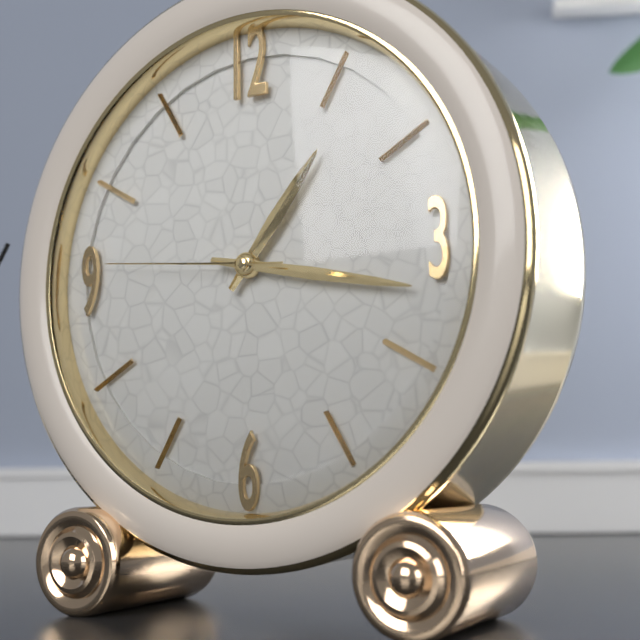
1:17:46
